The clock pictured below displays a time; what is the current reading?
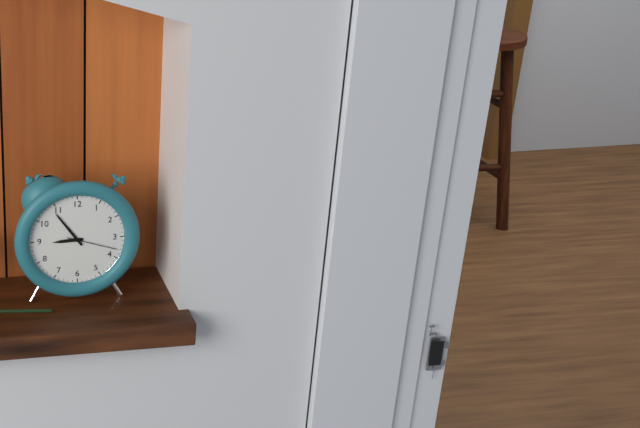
8:54:18
